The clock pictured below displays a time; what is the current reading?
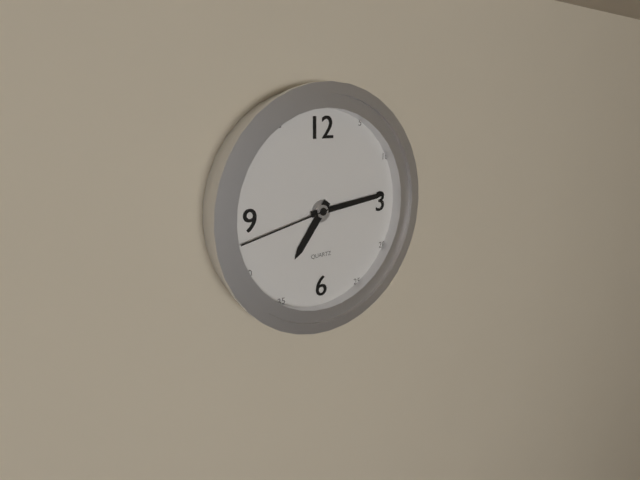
7:14:43
